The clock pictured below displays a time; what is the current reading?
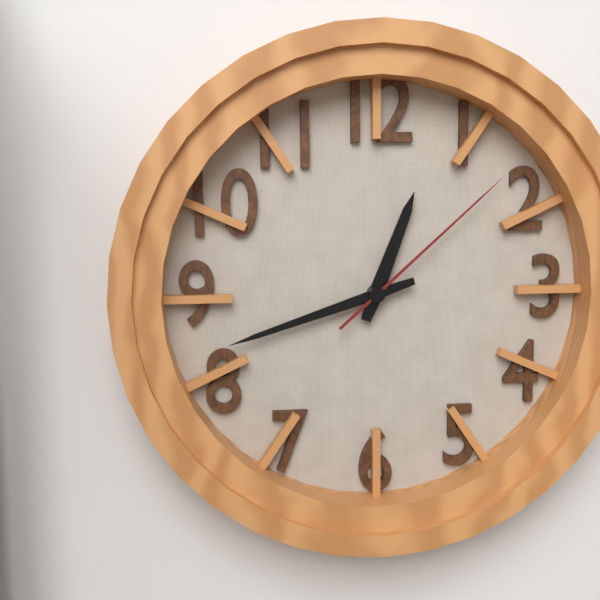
12:42:08
